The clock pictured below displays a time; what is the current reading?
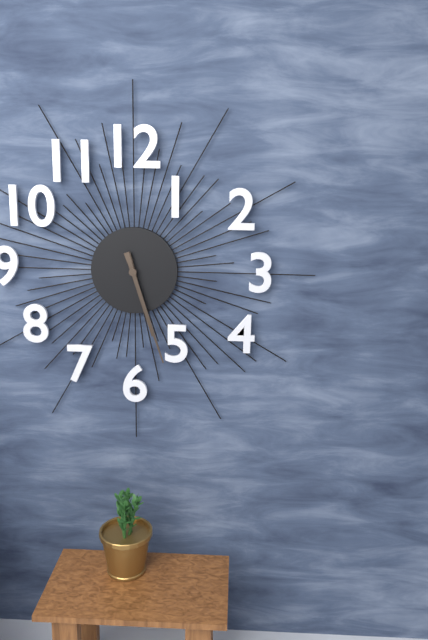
5:27
